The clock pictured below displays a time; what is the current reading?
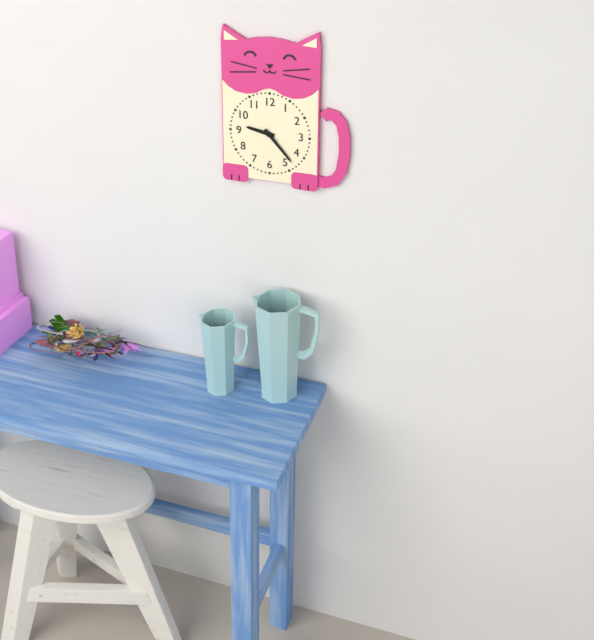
9:23
